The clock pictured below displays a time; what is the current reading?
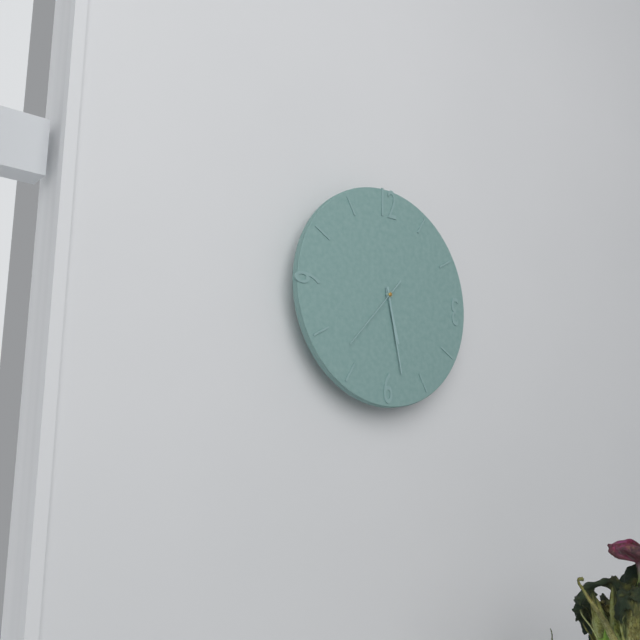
5:28:37
